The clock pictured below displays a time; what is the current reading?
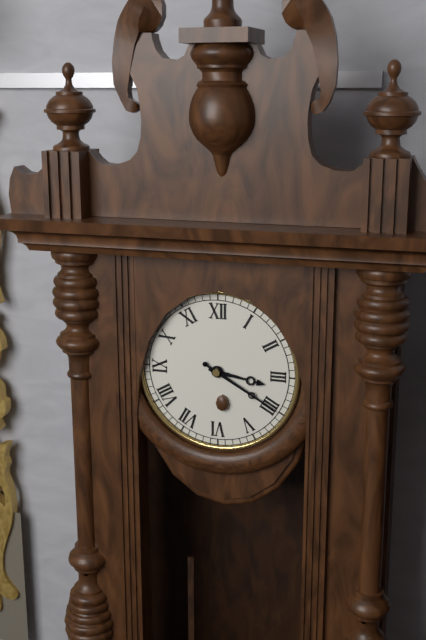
3:20
